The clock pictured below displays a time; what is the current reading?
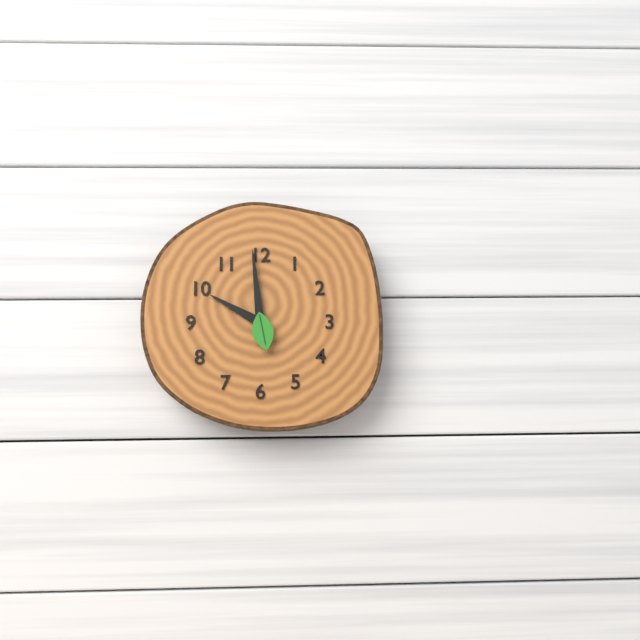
9:59
